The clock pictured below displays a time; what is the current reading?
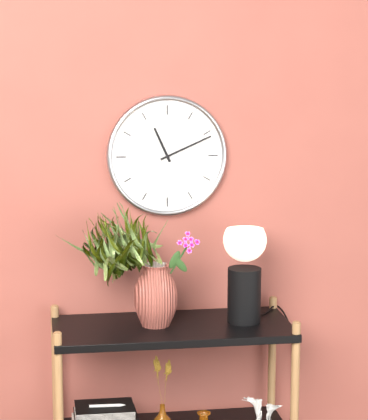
11:11
